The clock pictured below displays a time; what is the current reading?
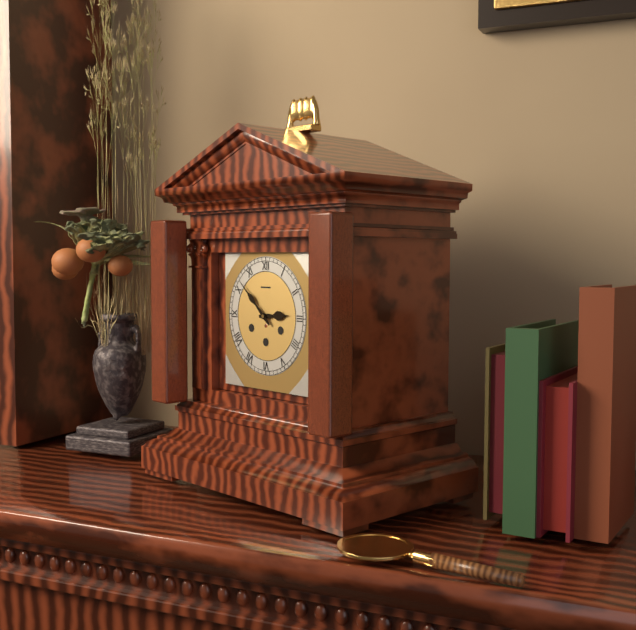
2:52
